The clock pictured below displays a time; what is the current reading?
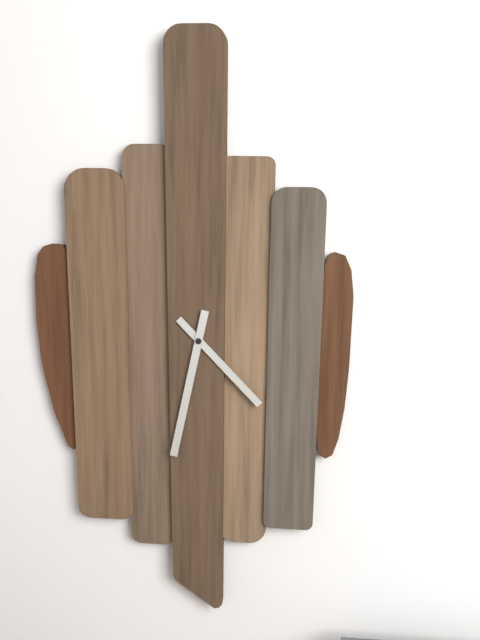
4:32
